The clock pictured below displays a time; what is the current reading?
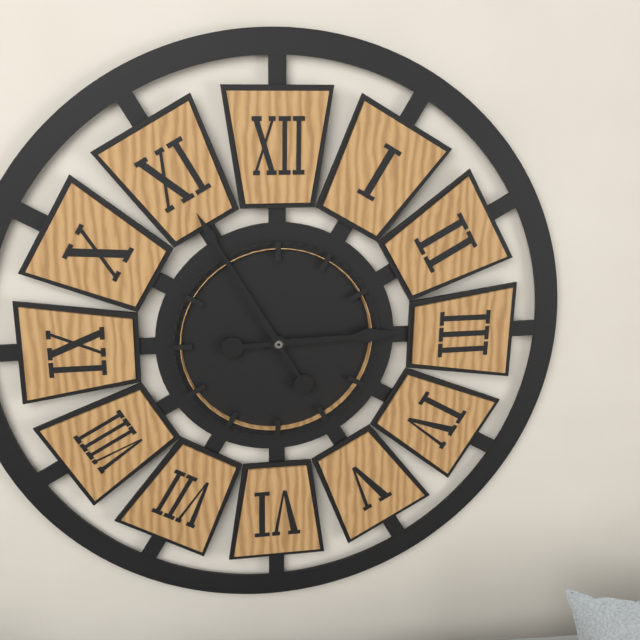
2:55
